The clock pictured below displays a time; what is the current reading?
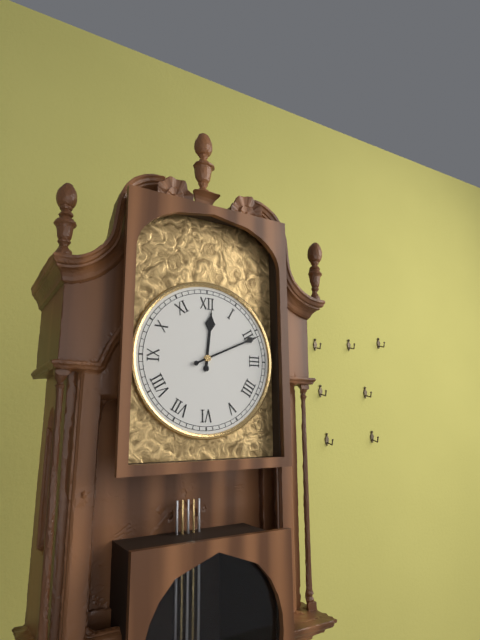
12:11
